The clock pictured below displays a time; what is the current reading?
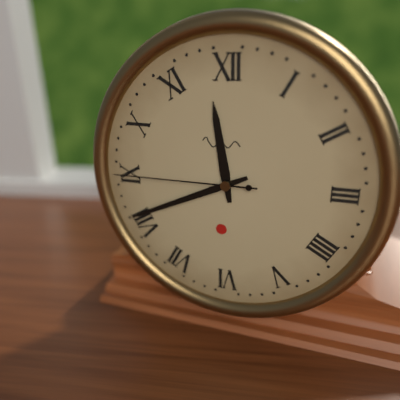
11:41:45
